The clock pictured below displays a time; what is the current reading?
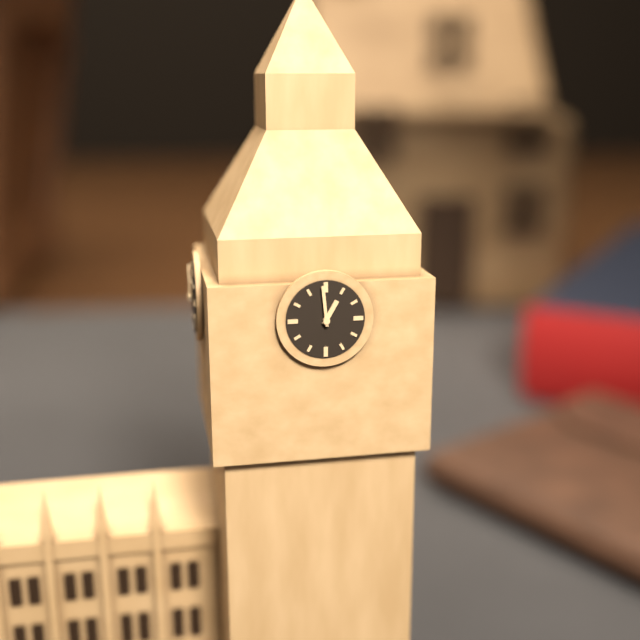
12:59
